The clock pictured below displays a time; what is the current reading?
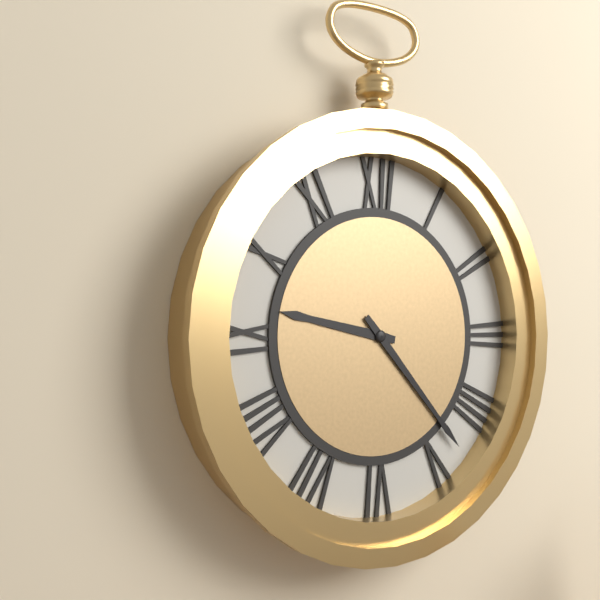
9:23
